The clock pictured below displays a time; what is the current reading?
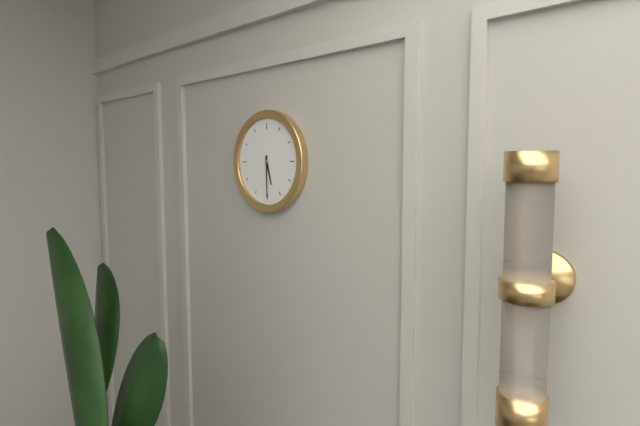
5:30
